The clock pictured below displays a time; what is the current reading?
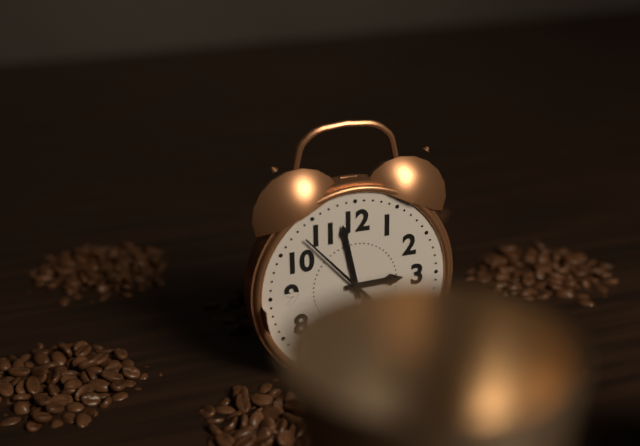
2:58:53
